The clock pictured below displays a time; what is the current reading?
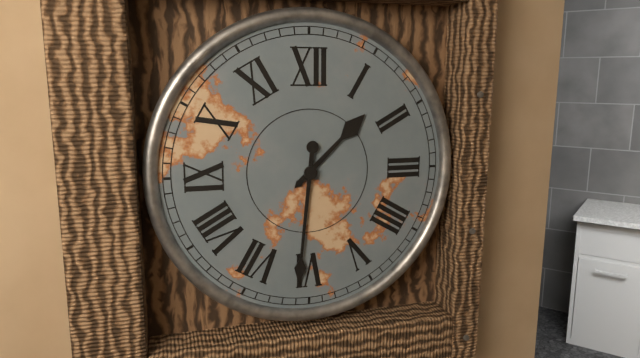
1:31
